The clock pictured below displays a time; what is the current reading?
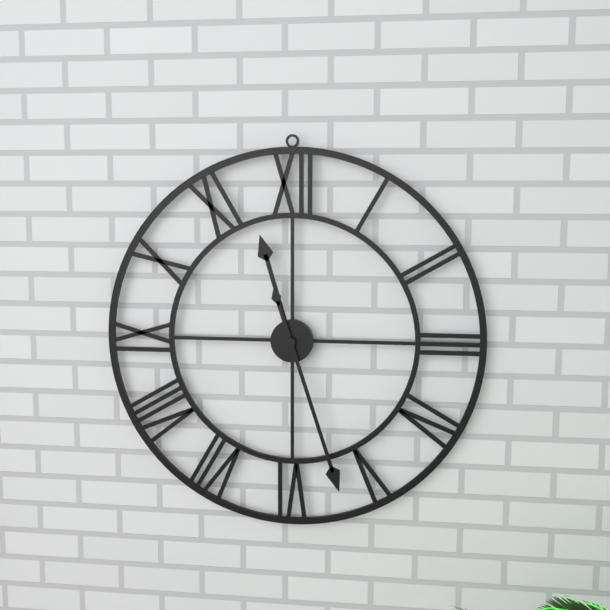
11:27
